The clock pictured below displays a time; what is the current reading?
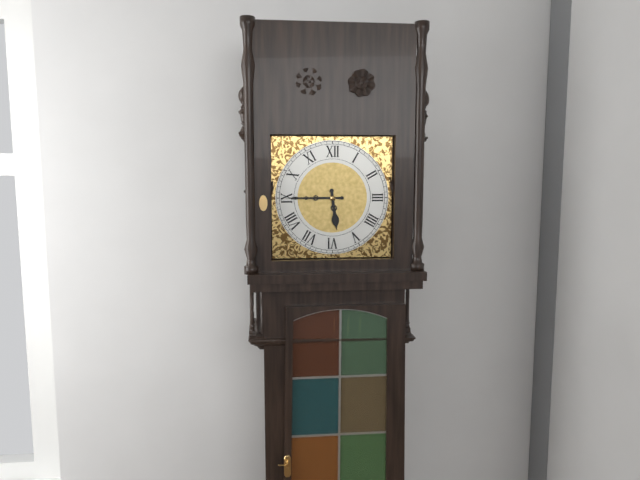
5:45
